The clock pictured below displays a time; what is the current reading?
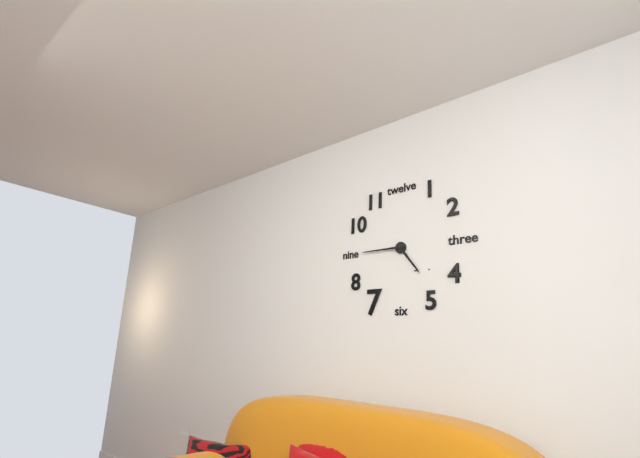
4:45
